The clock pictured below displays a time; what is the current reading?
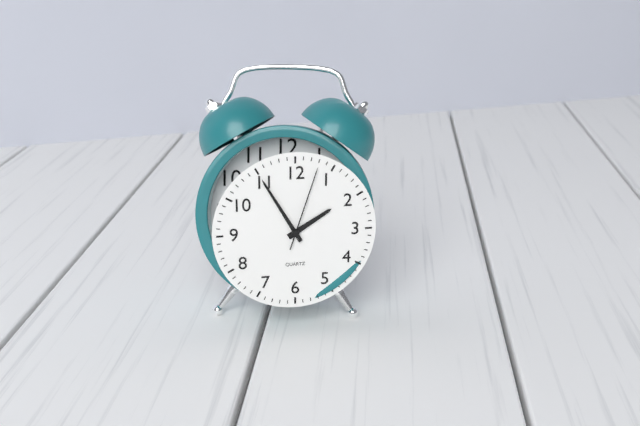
1:55:03
